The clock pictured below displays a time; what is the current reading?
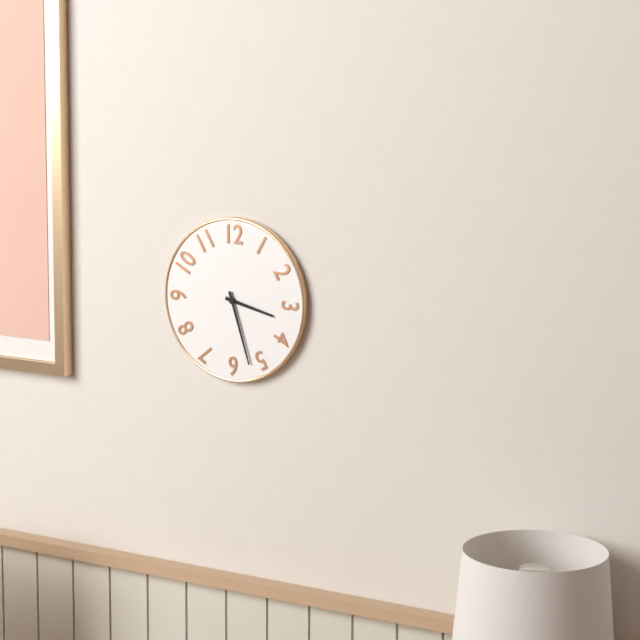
3:27
